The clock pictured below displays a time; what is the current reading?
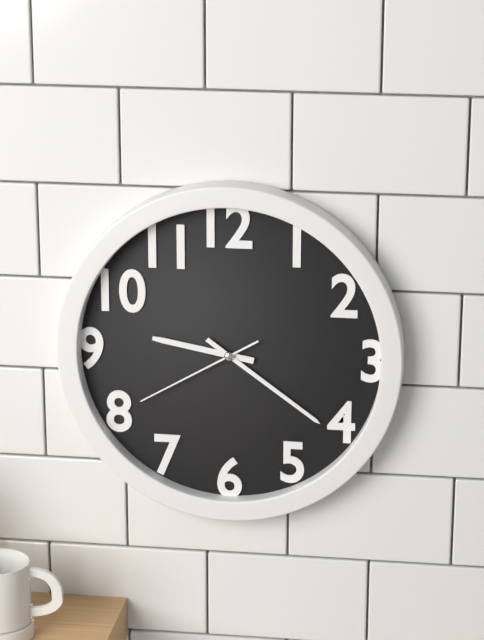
9:21:40
